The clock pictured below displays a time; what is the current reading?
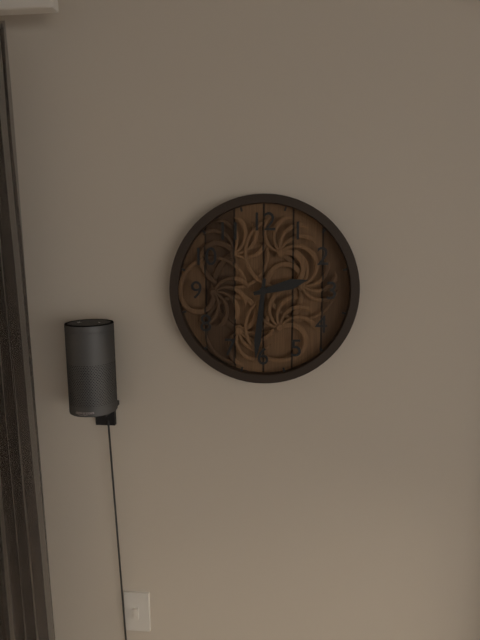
2:31
